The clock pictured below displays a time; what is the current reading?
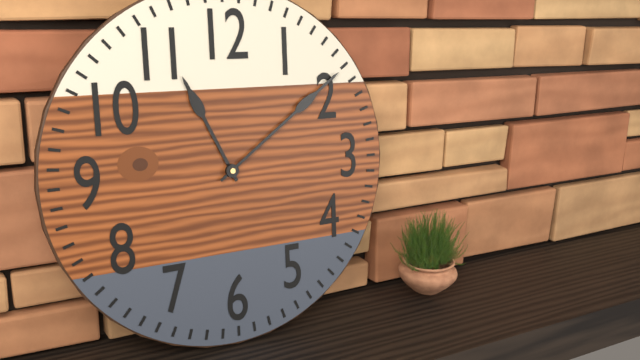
11:09
